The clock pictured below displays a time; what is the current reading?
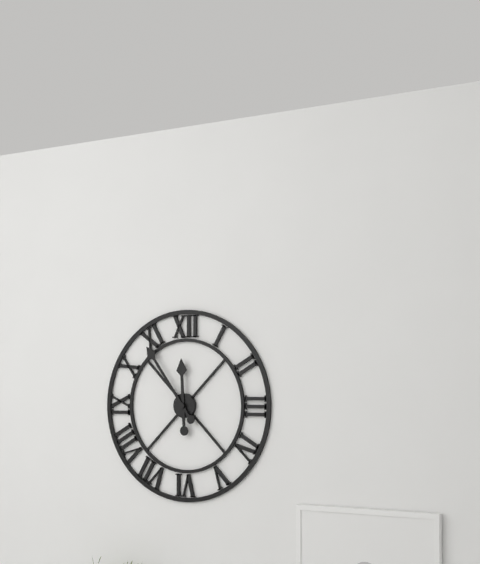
11:54
